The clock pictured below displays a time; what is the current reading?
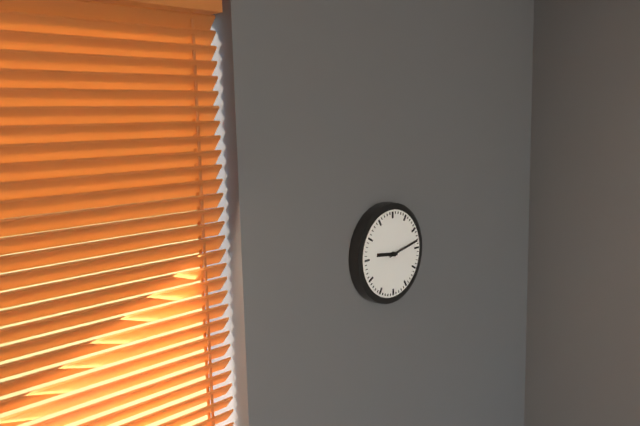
9:13
